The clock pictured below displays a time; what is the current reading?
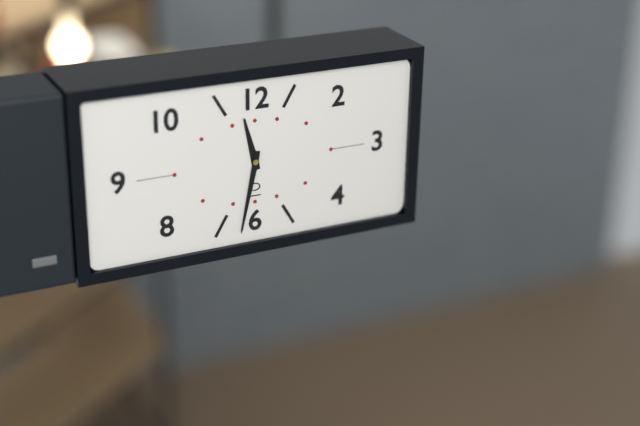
11:32
